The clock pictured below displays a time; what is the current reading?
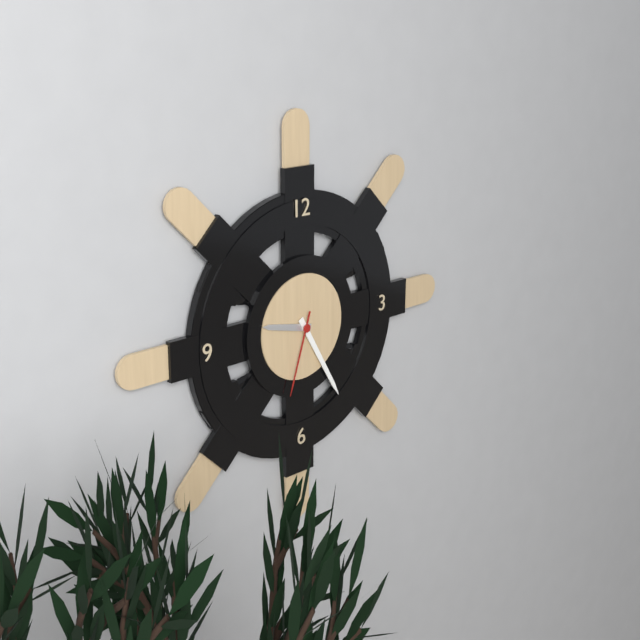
9:25:33
